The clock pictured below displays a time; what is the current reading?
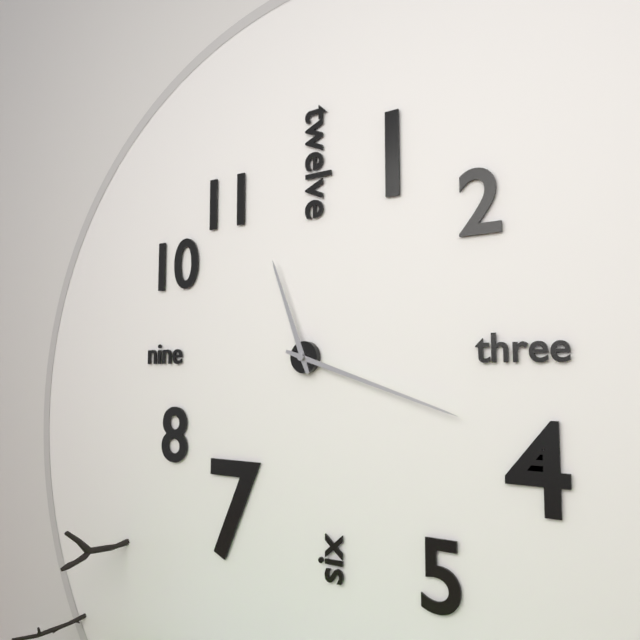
11:18
